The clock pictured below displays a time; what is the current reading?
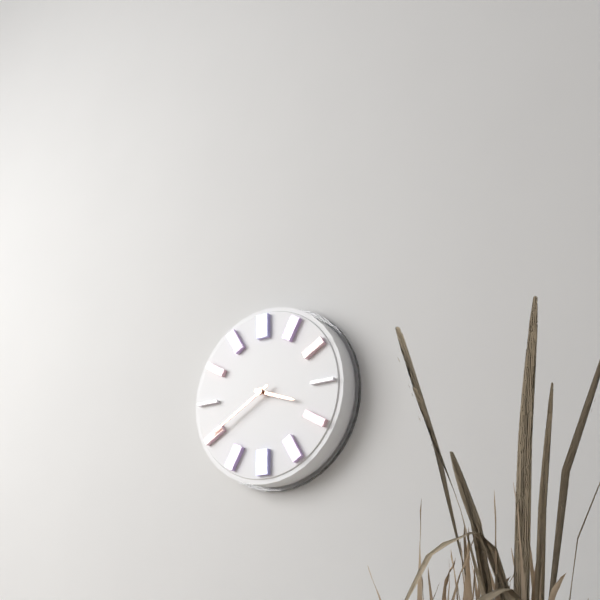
3:40
